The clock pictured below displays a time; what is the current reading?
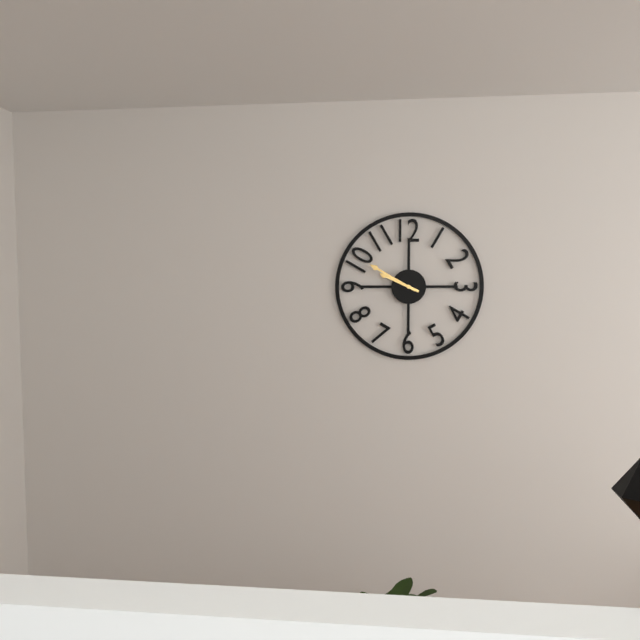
9:50
